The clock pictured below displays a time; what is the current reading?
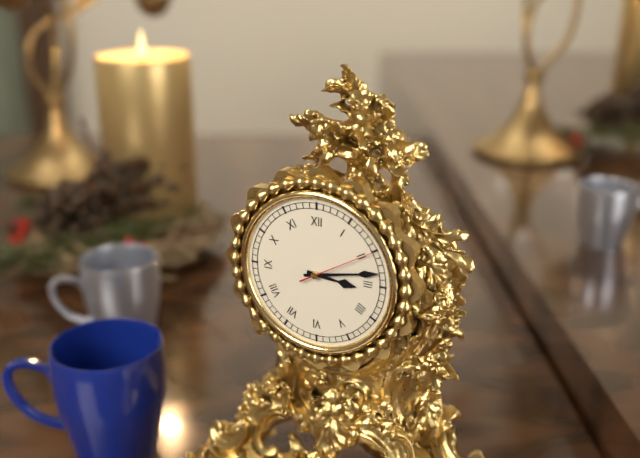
3:13:10
